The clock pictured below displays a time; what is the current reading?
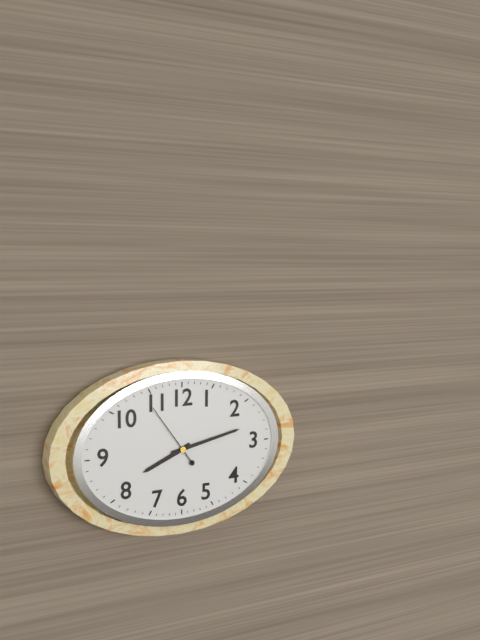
8:13:54
